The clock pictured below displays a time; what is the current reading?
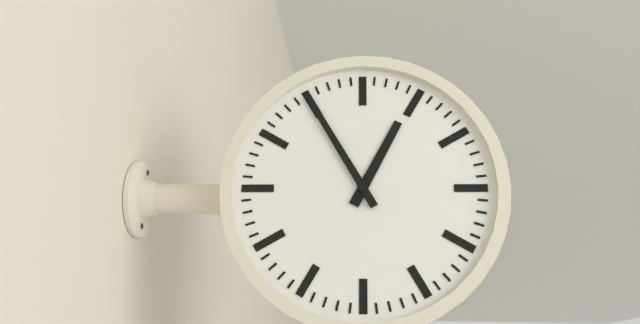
12:55
